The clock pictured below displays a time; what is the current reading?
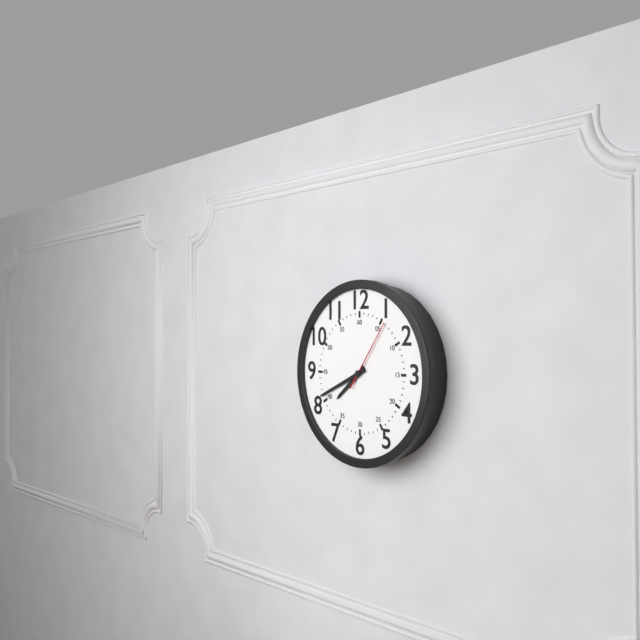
7:41:06
